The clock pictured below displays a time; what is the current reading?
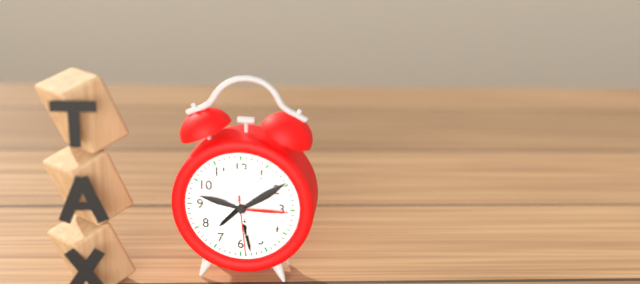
7:28:29
